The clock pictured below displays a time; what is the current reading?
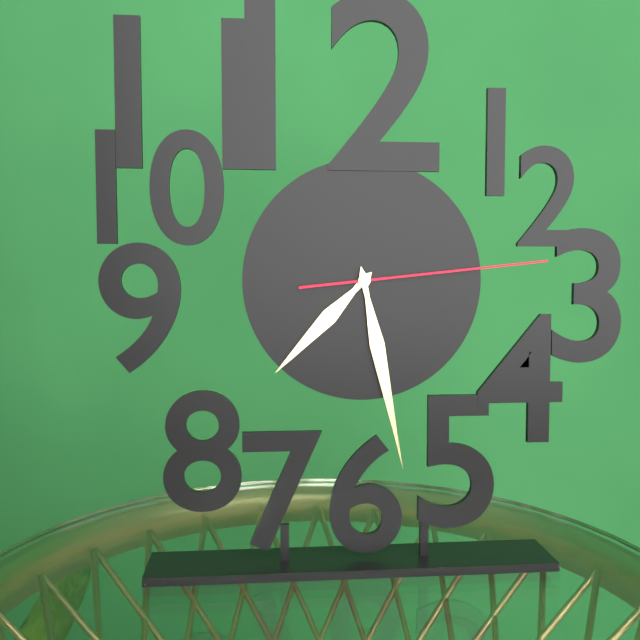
7:28:14
